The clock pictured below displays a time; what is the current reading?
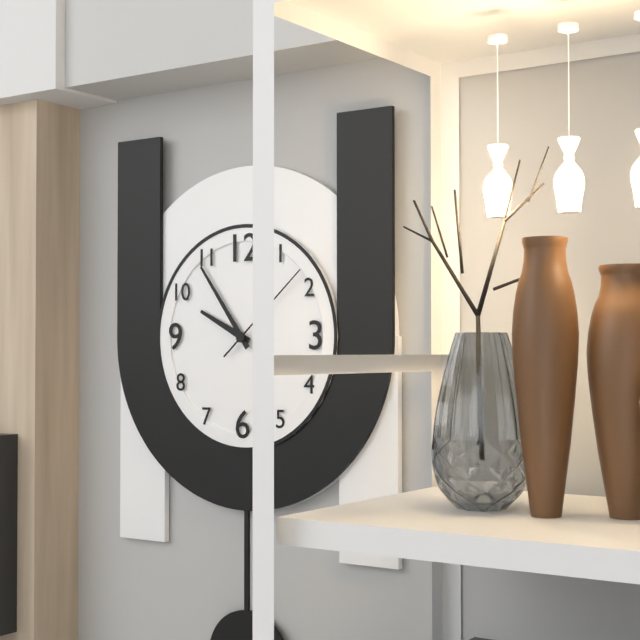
9:54:08
